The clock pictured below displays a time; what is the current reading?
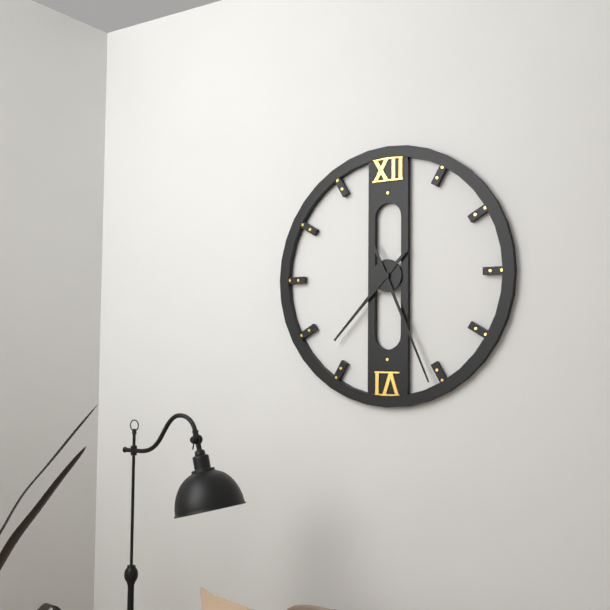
7:26
